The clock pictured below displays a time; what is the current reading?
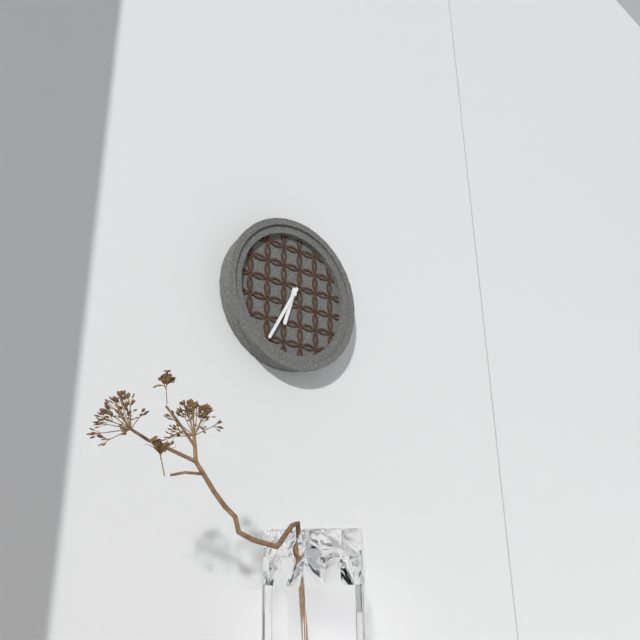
6:35
